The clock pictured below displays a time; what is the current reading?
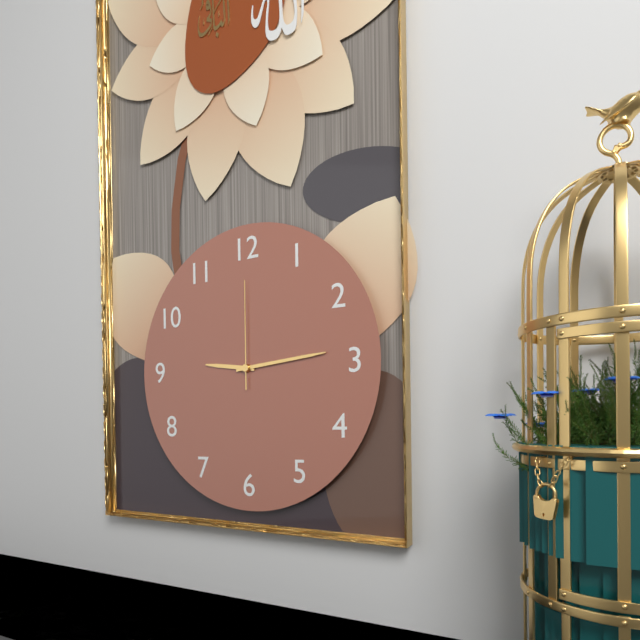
9:14:00
